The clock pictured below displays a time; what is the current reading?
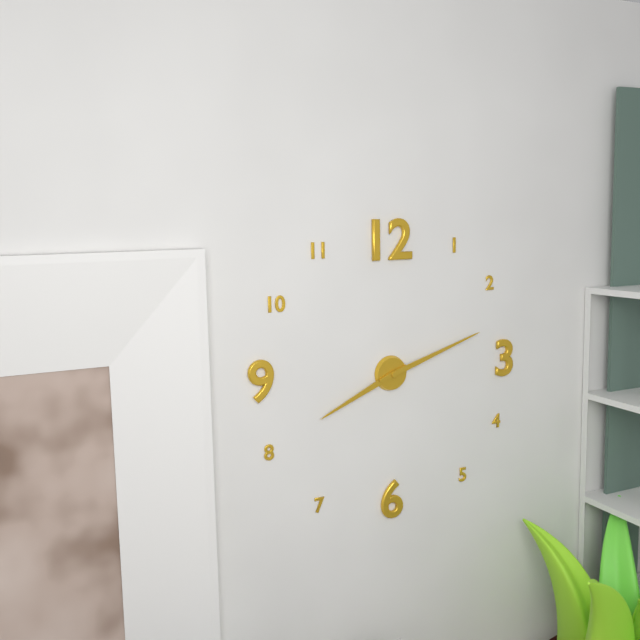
8:12
